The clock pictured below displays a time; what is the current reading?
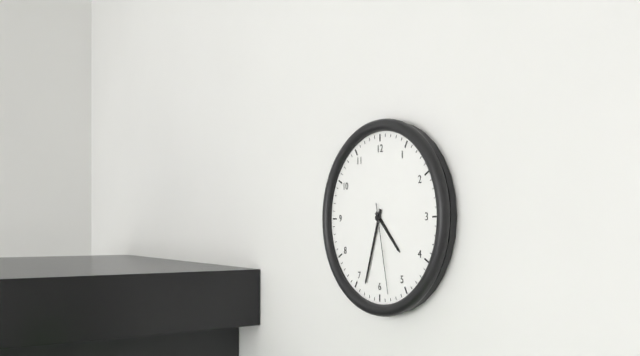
4:33:28
